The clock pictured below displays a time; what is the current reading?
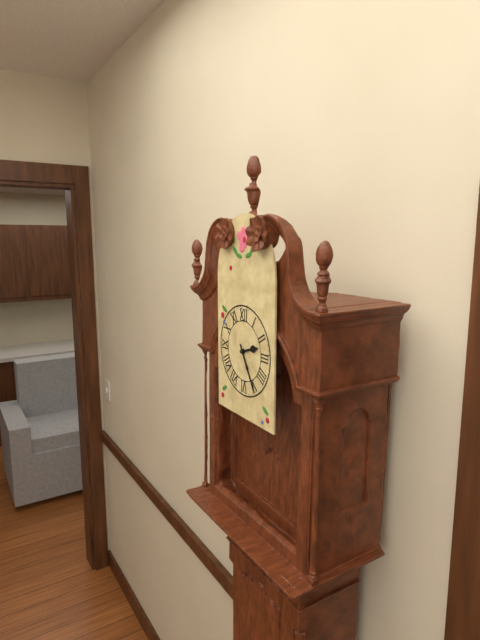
2:25
